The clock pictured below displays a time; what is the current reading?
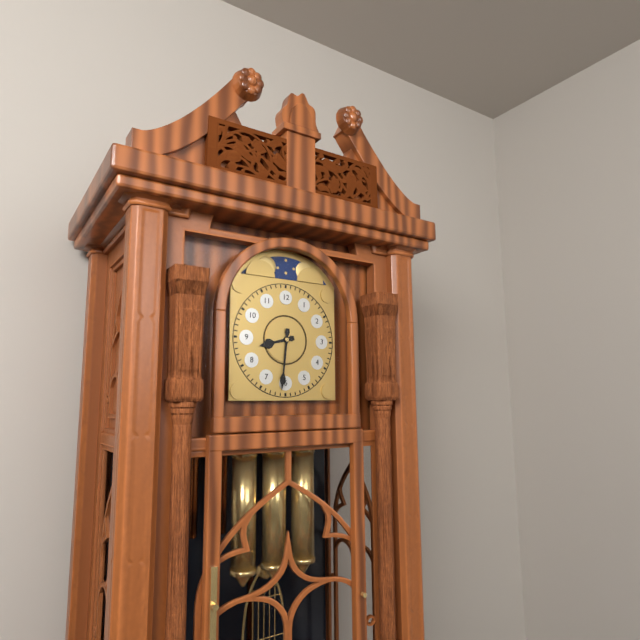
8:31
